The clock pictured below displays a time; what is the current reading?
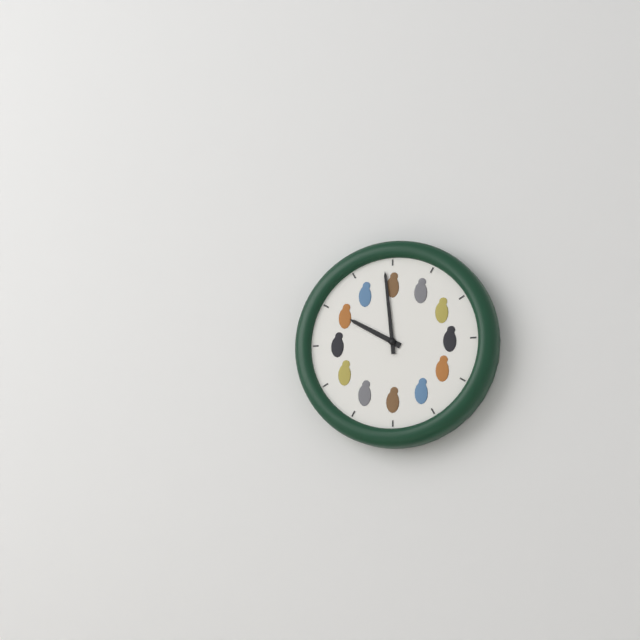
9:59
